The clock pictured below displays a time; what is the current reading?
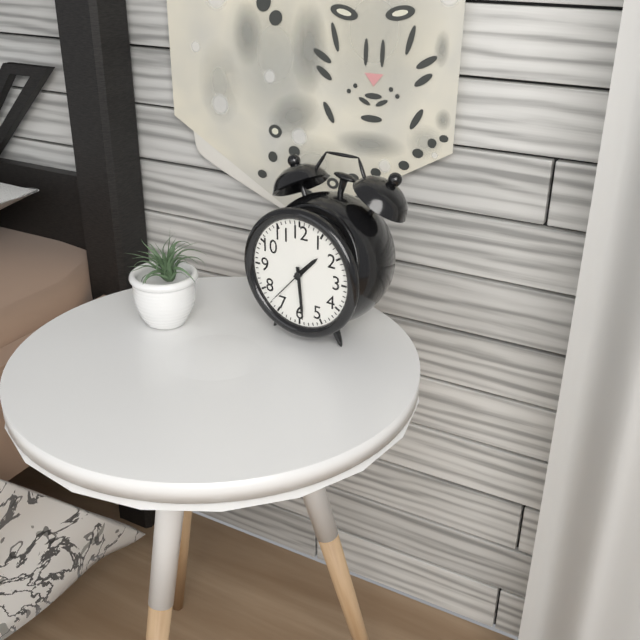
1:29
